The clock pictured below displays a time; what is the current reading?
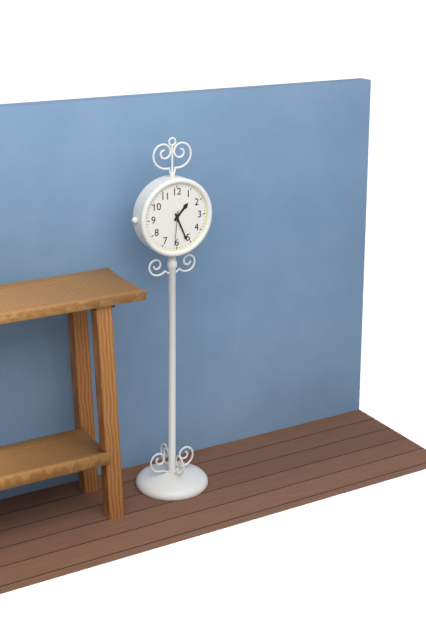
1:26
